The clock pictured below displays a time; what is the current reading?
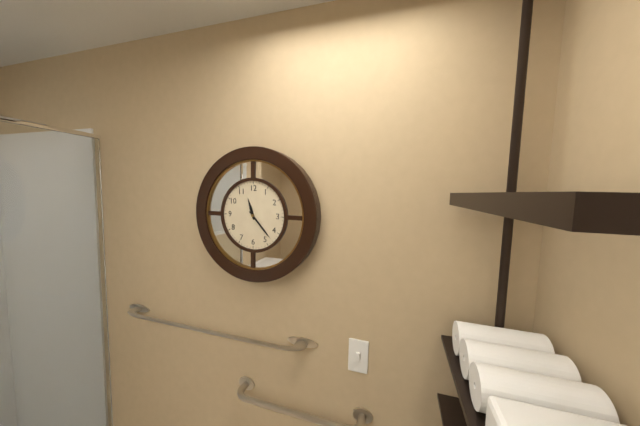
11:23
